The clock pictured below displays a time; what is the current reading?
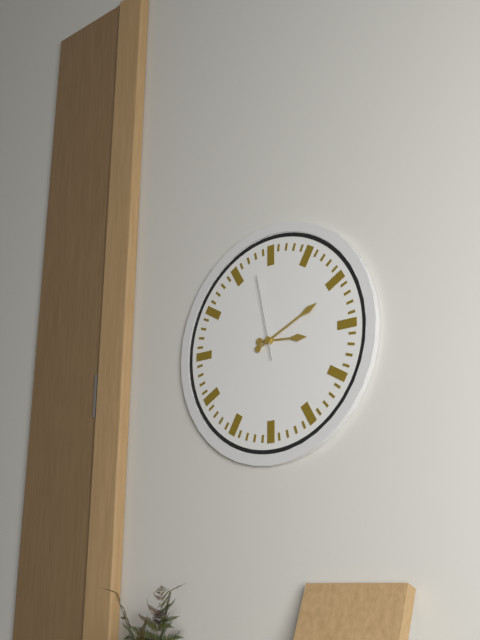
3:11:58
